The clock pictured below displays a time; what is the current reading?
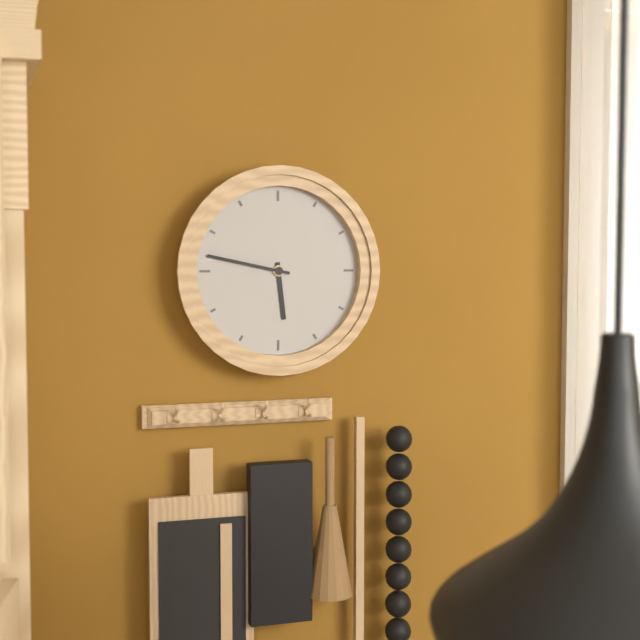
5:47
